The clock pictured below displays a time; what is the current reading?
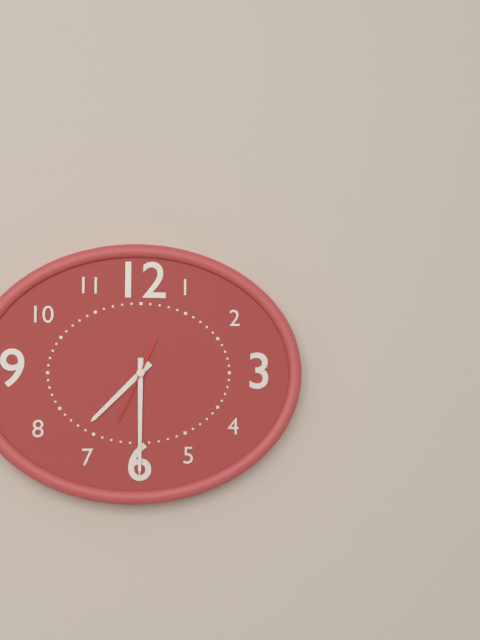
7:30:34
